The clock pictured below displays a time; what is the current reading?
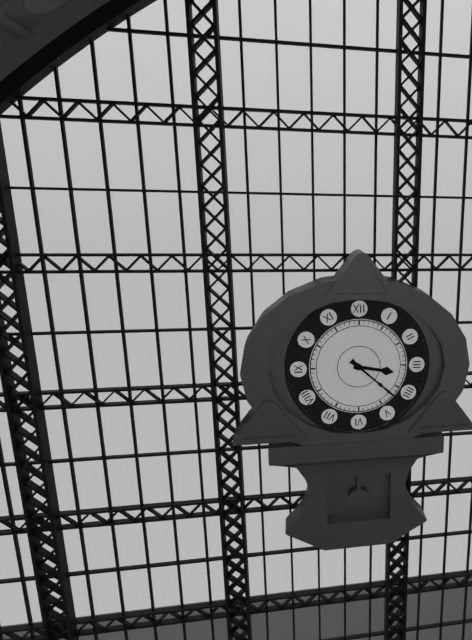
3:22
